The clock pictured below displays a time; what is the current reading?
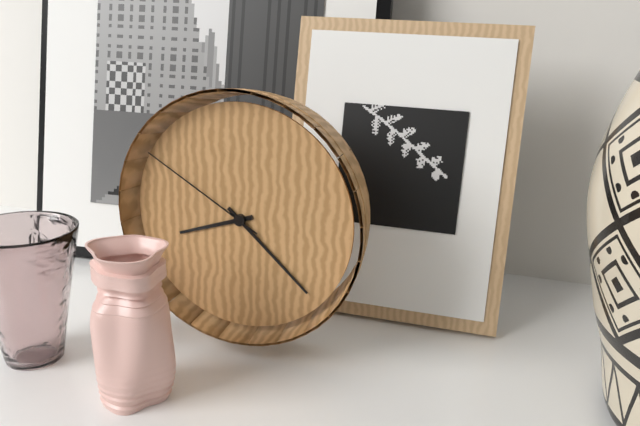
8:22:50
